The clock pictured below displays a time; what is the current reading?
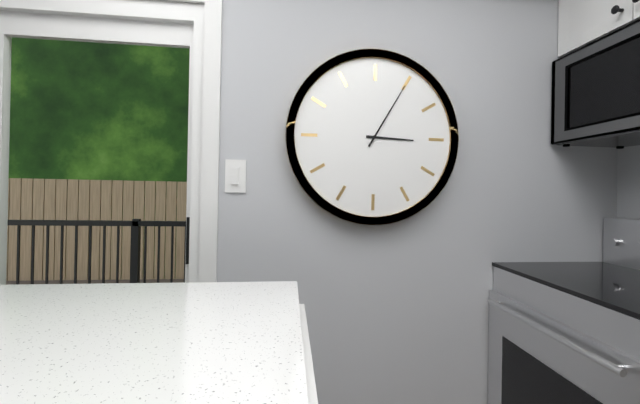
3:05
